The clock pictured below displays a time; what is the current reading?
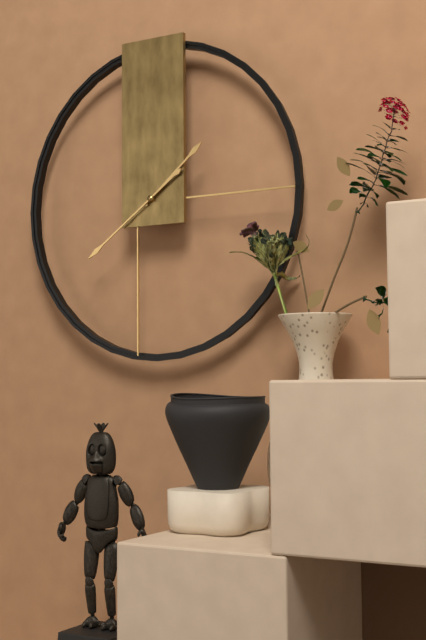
1:39
